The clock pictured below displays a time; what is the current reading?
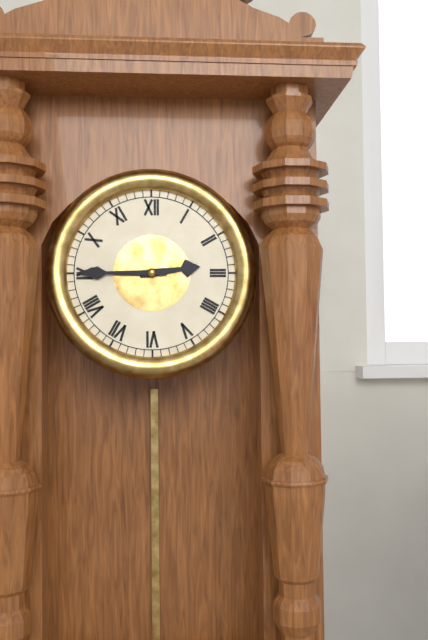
2:45
